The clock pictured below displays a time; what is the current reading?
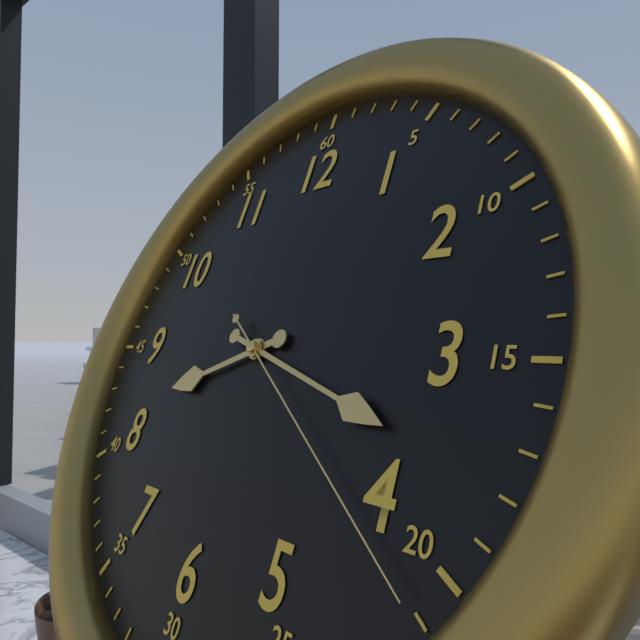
8:18:21
